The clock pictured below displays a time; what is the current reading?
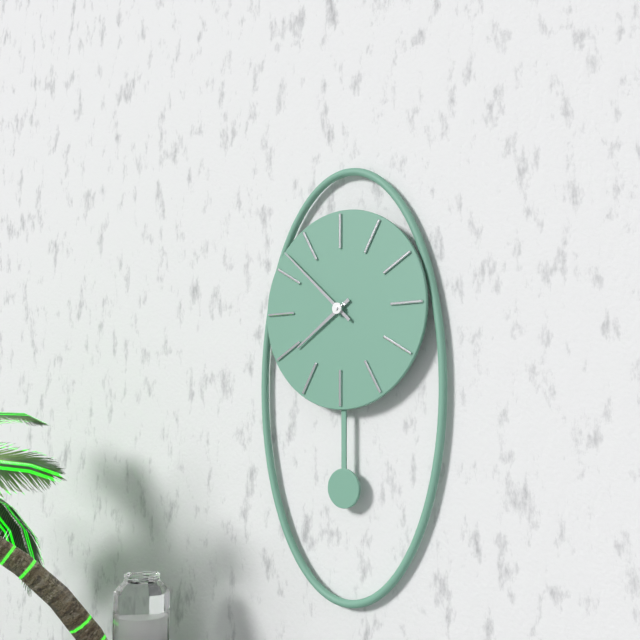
7:52
